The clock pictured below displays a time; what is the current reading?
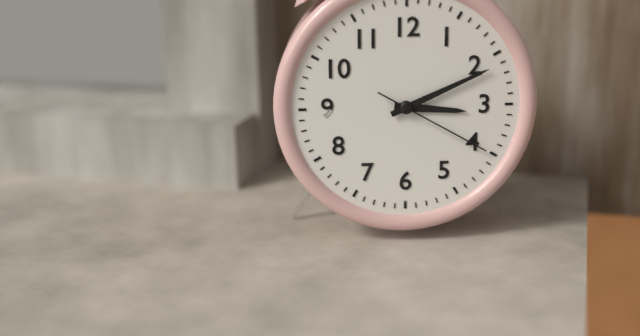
3:11:20
